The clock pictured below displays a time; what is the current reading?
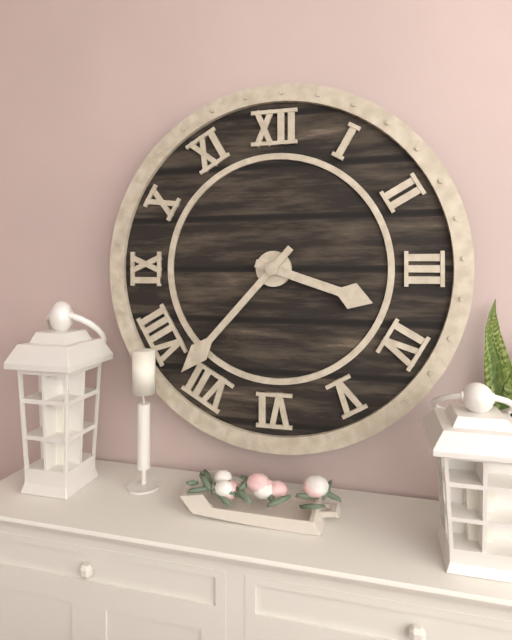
3:37
